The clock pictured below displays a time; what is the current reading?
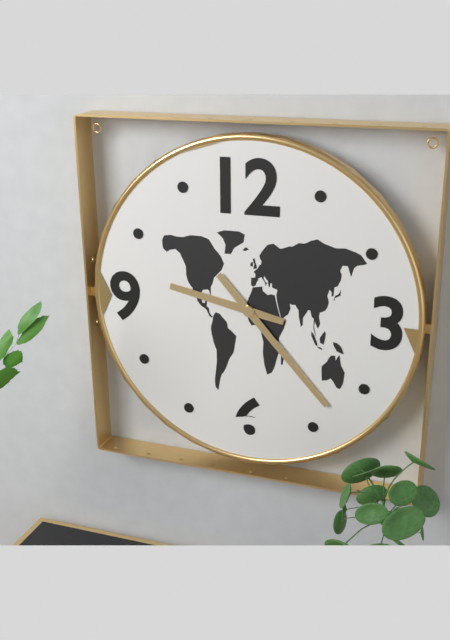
9:23
